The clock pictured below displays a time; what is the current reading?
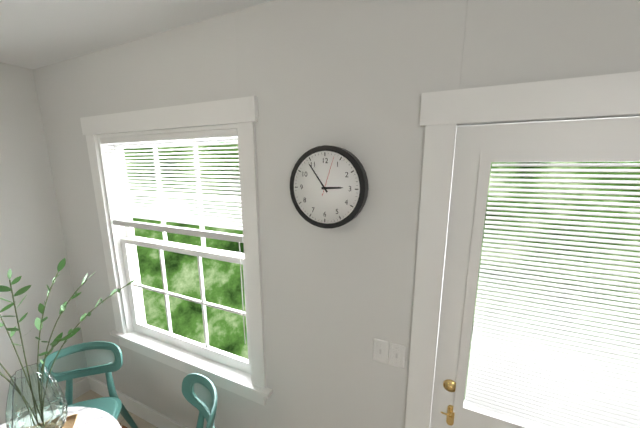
2:54
